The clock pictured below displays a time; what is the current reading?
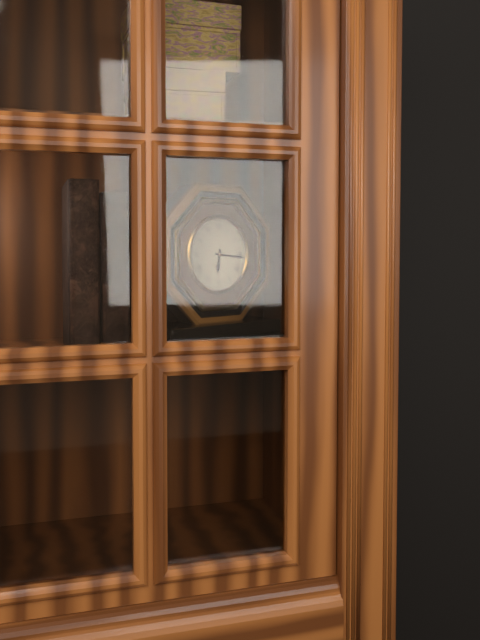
6:16
